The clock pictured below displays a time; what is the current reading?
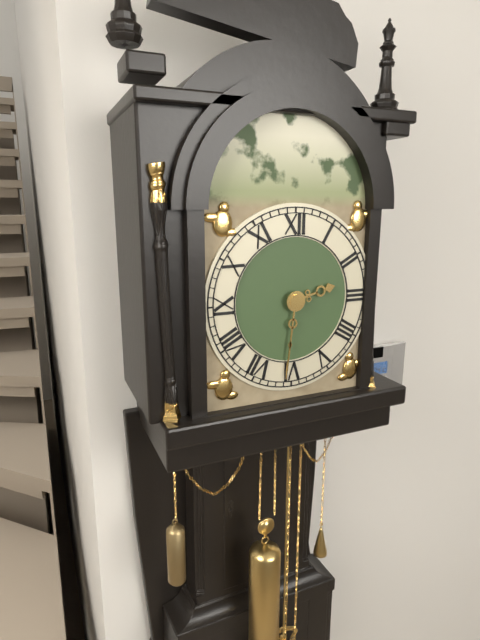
2:31
